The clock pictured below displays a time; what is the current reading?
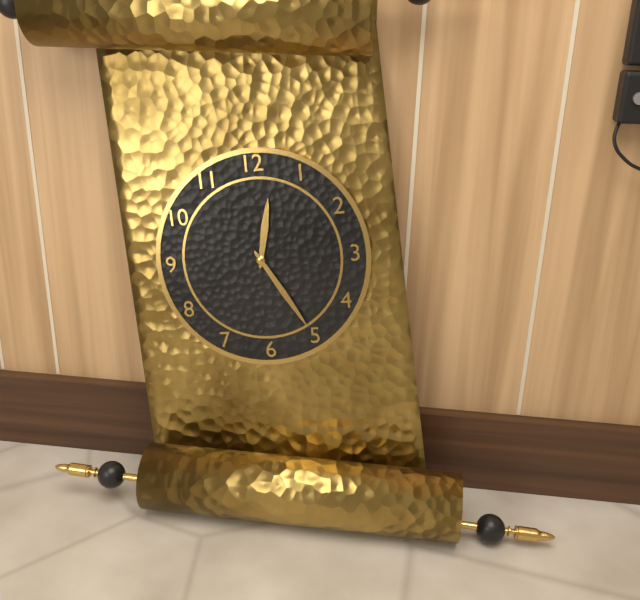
12:25
